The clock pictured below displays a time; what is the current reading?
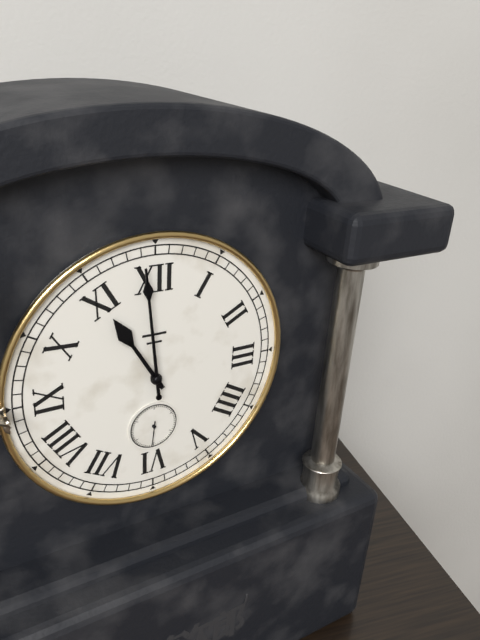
10:59
